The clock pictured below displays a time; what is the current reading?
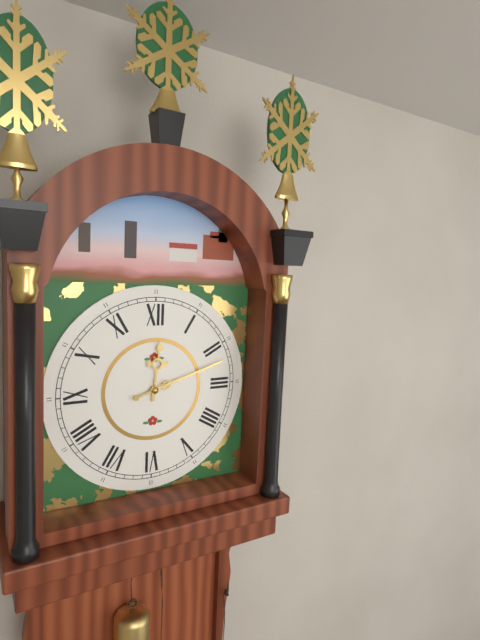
12:12
